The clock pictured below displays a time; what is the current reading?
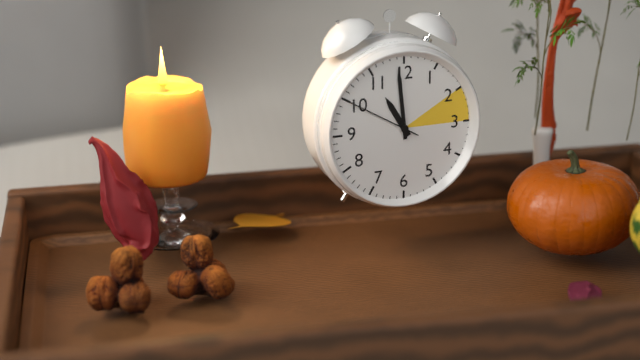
10:59:50
